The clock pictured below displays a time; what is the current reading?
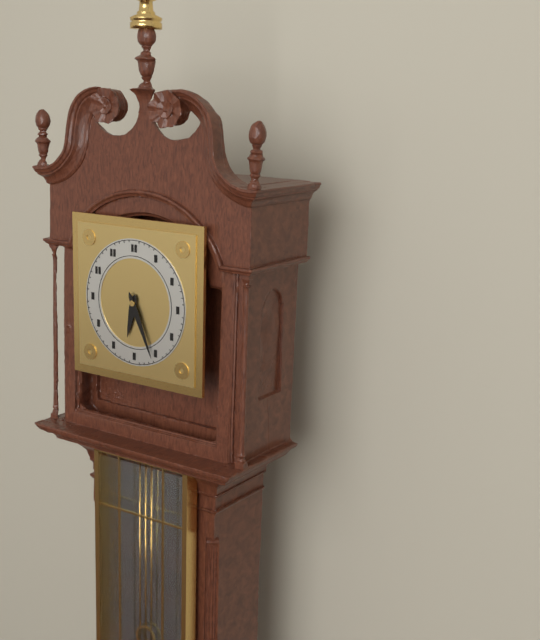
6:26
